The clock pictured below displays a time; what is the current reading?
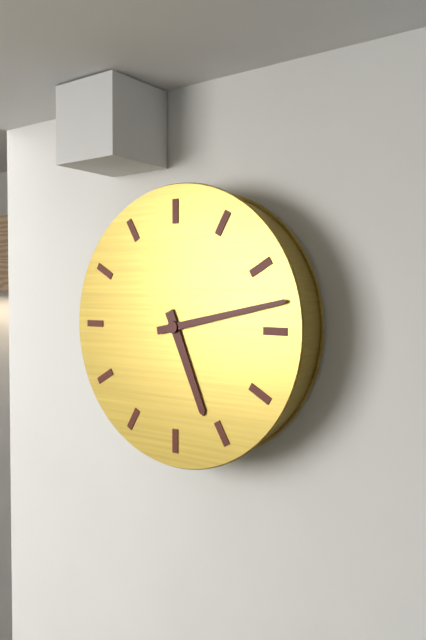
5:13
